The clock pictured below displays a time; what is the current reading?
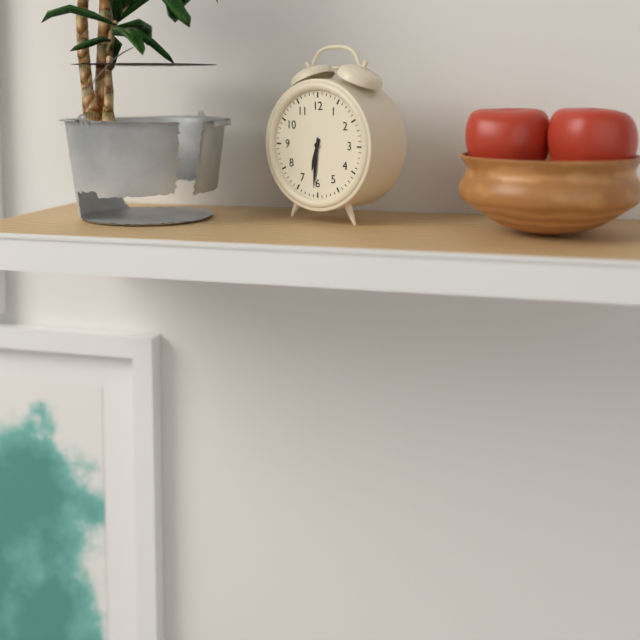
6:31
